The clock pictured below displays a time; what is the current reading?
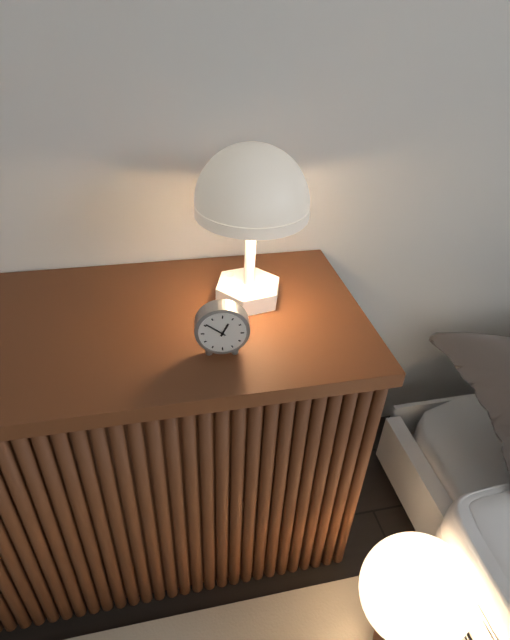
12:51
